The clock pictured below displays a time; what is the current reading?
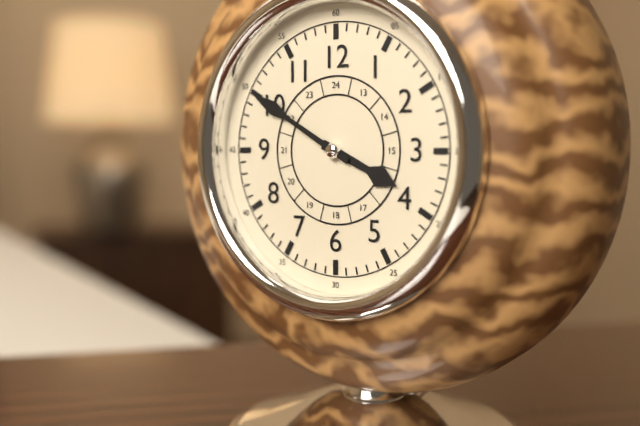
3:50
